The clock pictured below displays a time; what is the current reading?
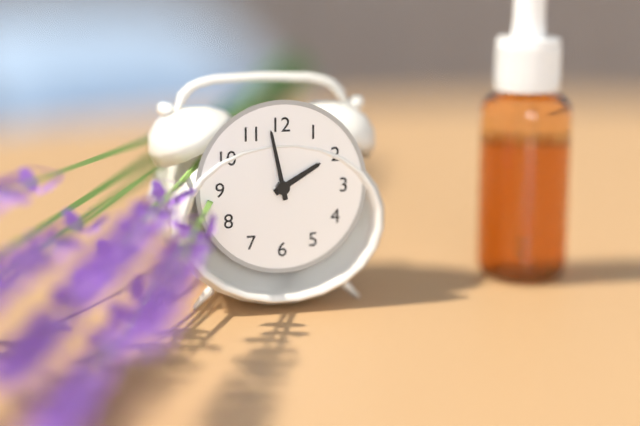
1:58
